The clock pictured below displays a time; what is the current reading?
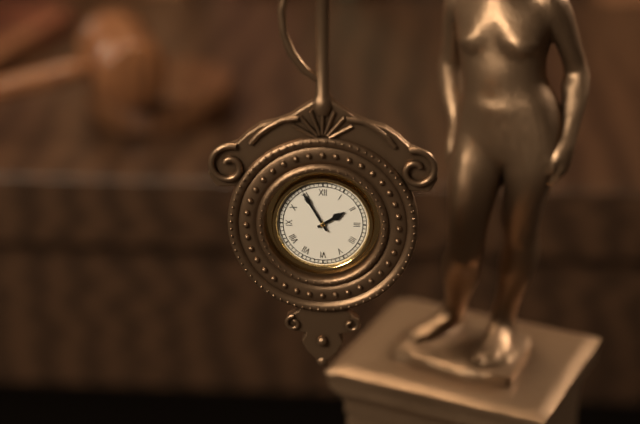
1:55
